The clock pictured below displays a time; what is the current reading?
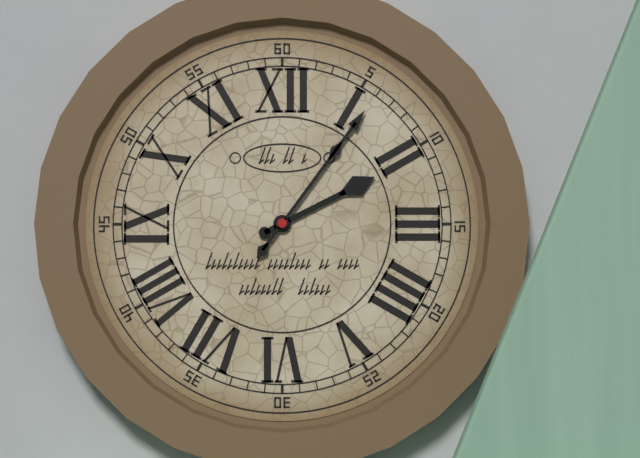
2:06
